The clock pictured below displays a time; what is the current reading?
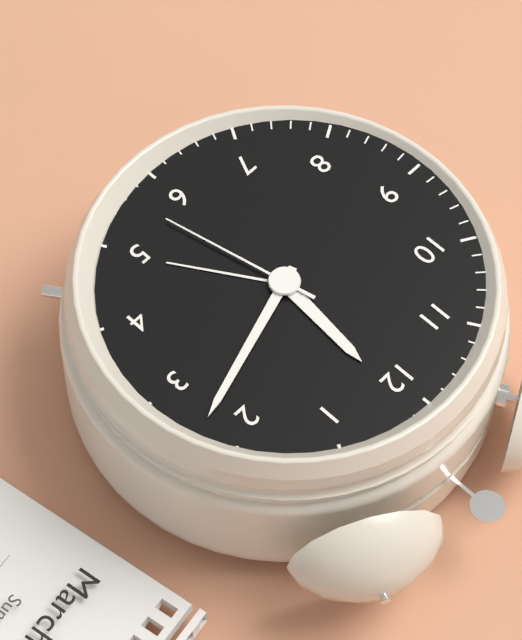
12:12:28
